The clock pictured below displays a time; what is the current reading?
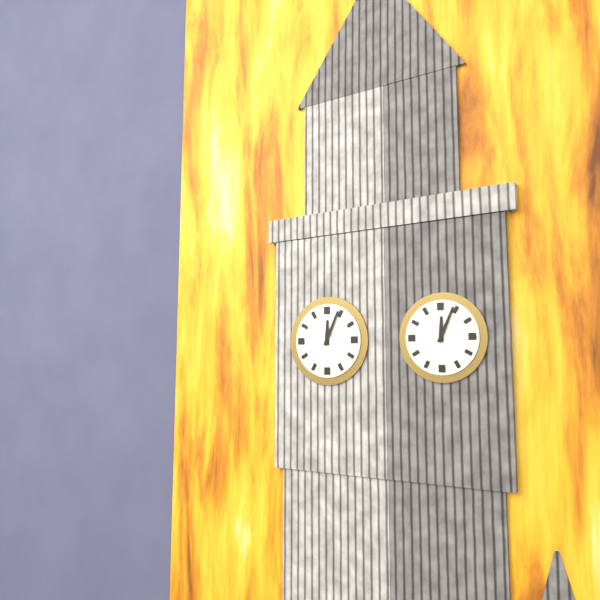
12:04
